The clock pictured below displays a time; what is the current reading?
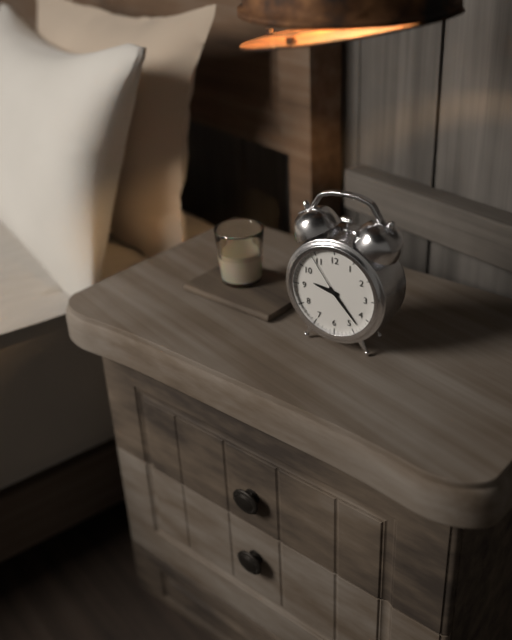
9:23:54
